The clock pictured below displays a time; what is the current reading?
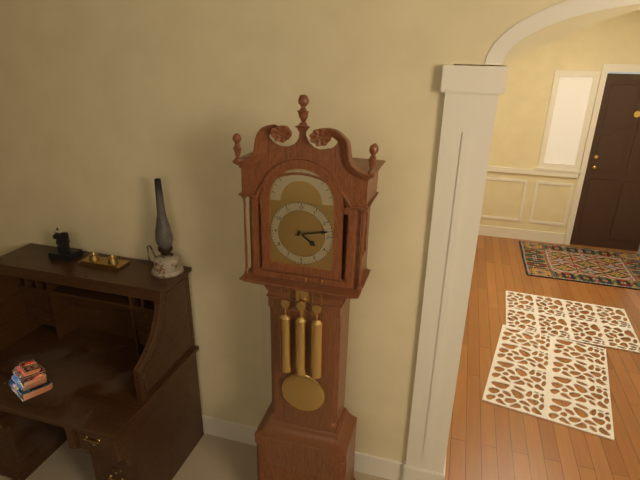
4:13
